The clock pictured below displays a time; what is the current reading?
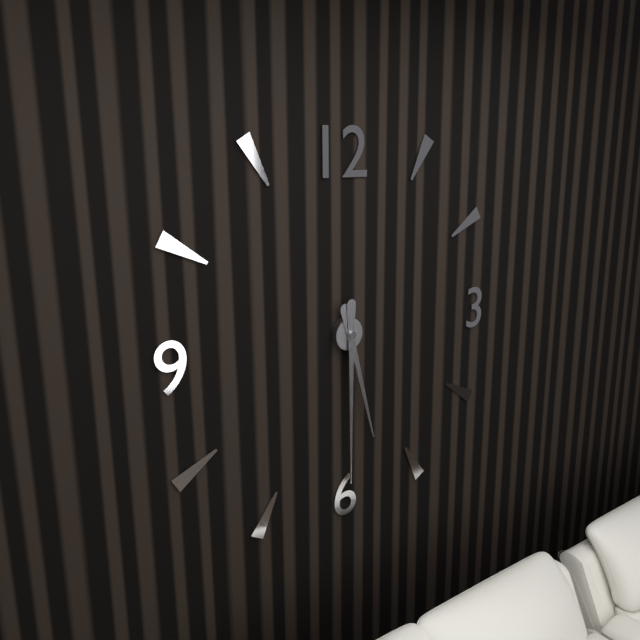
5:30
